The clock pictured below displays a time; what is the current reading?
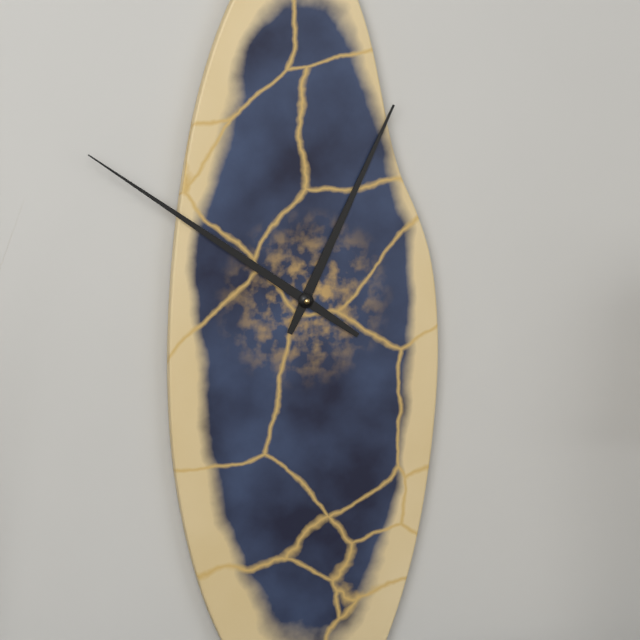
12:51
